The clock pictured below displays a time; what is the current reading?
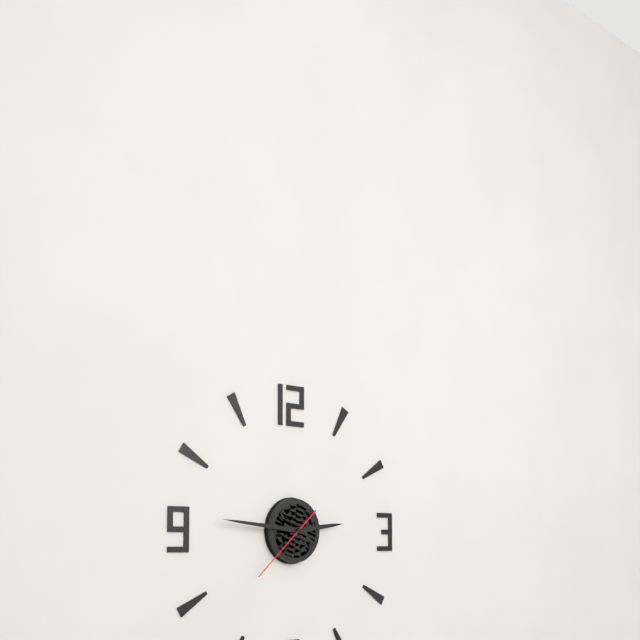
2:46:38
